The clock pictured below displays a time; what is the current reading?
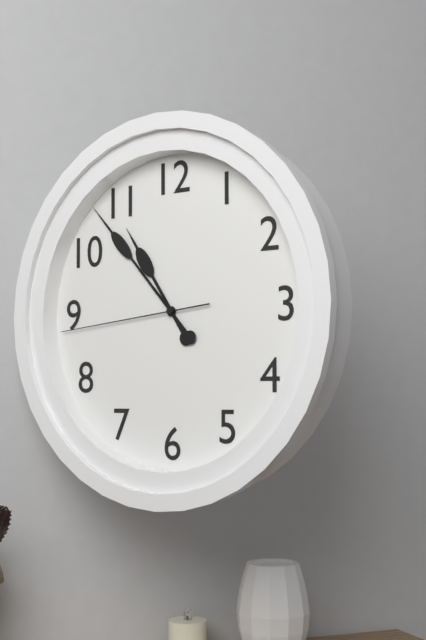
10:53:44
